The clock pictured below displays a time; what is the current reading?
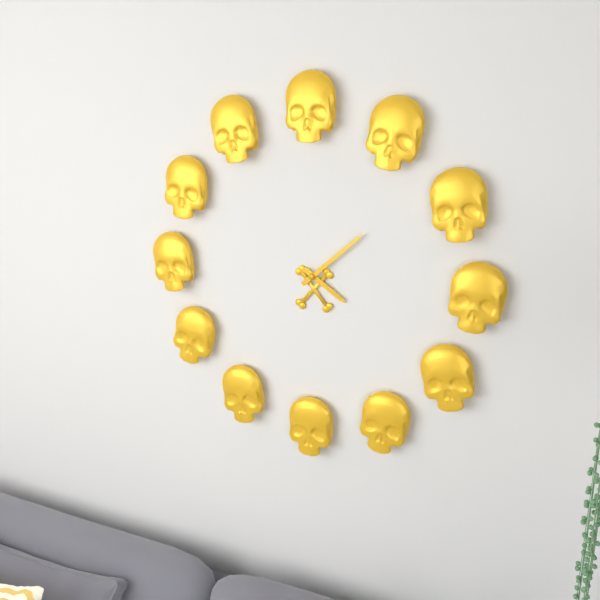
4:08
